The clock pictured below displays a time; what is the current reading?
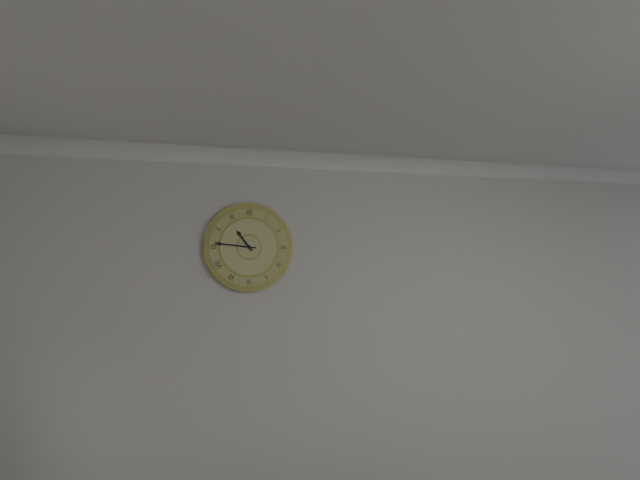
10:46
